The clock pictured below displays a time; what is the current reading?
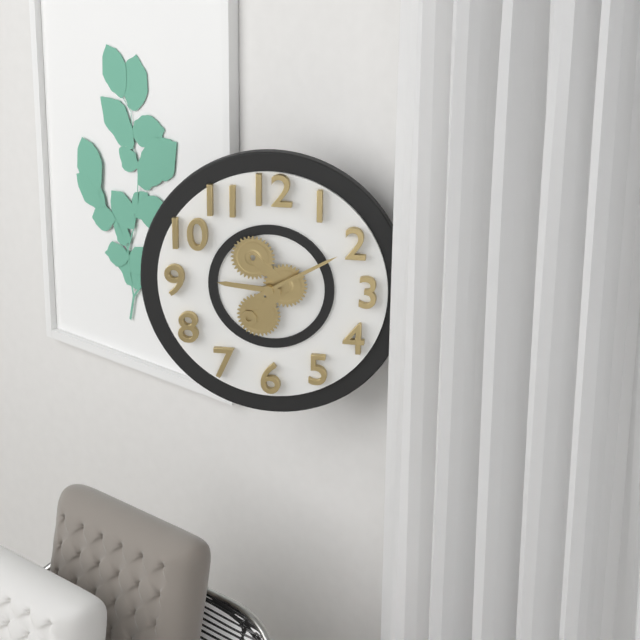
9:10
